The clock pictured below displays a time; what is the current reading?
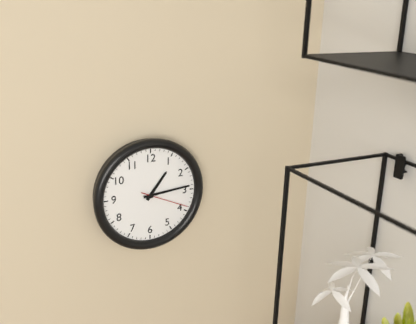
1:14
